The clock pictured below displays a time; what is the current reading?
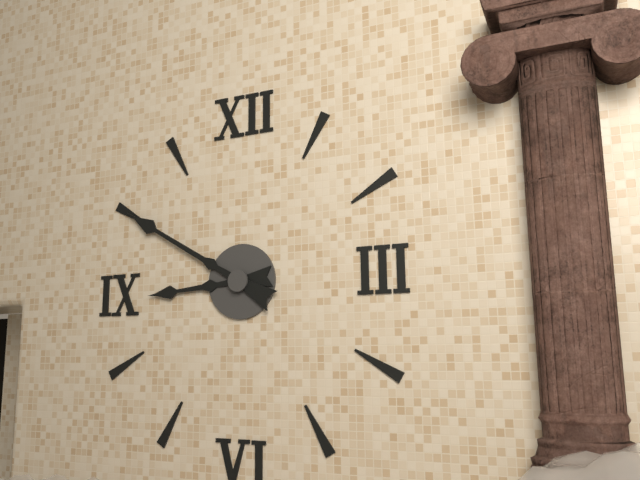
8:50
